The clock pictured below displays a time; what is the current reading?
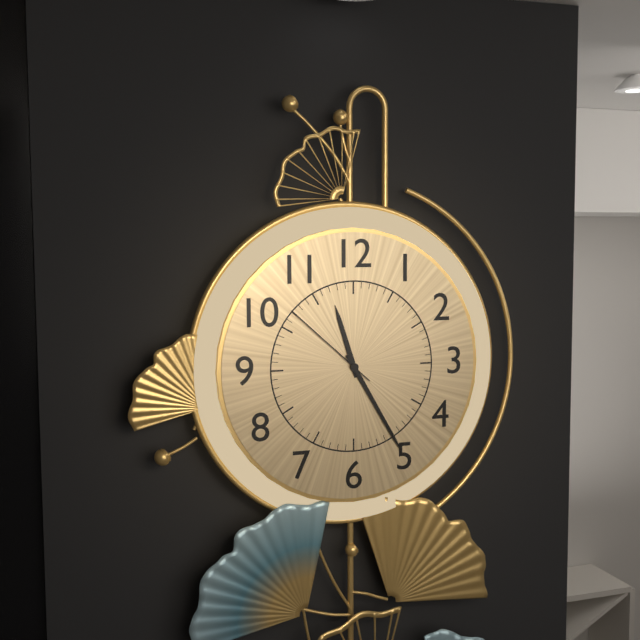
11:25:52
